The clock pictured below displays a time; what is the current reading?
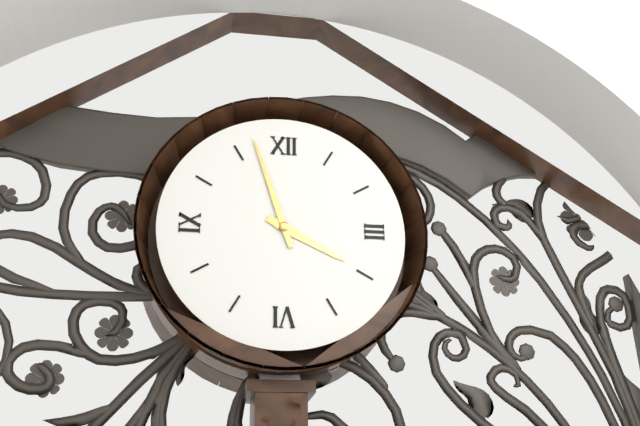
3:57
